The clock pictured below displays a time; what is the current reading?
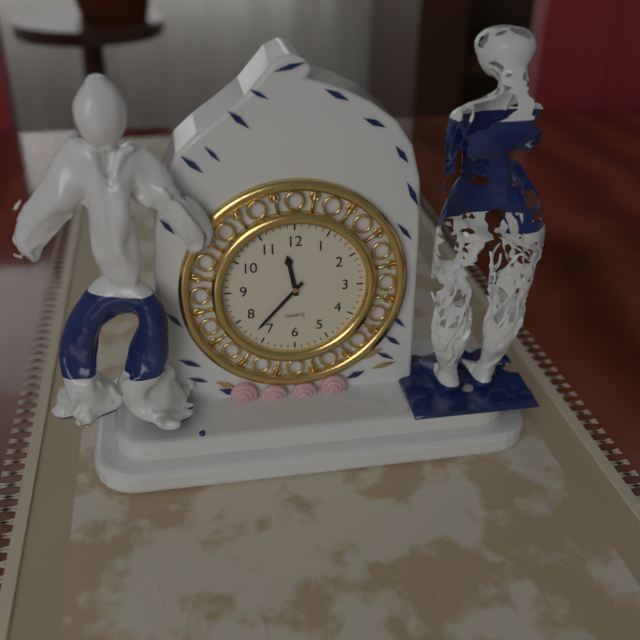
11:37
